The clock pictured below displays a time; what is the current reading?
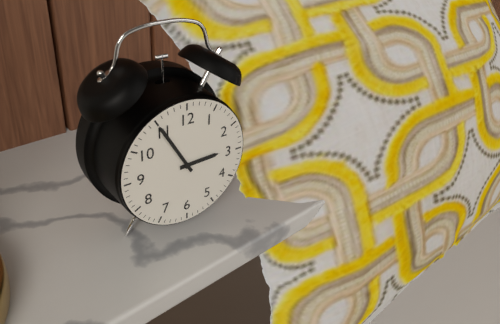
2:55
